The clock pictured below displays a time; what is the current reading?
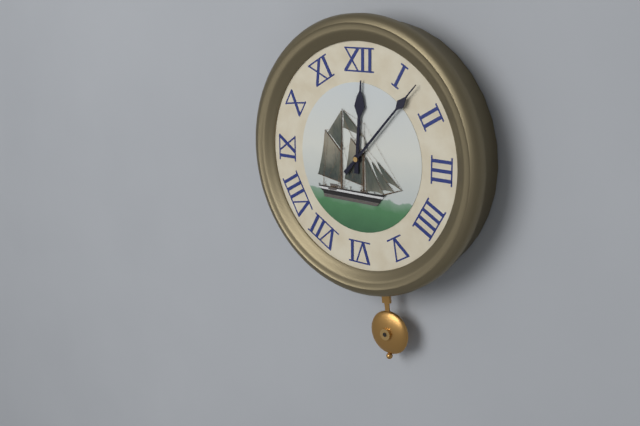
12:07
